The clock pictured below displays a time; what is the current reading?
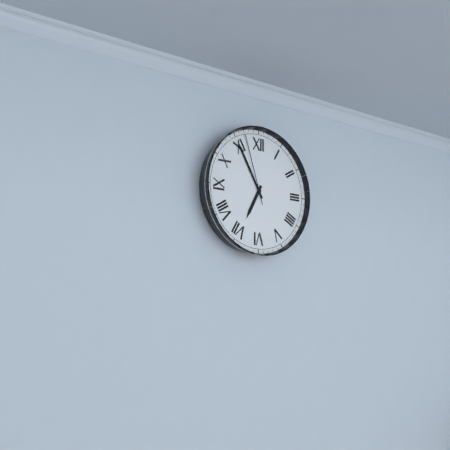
6:55:57
